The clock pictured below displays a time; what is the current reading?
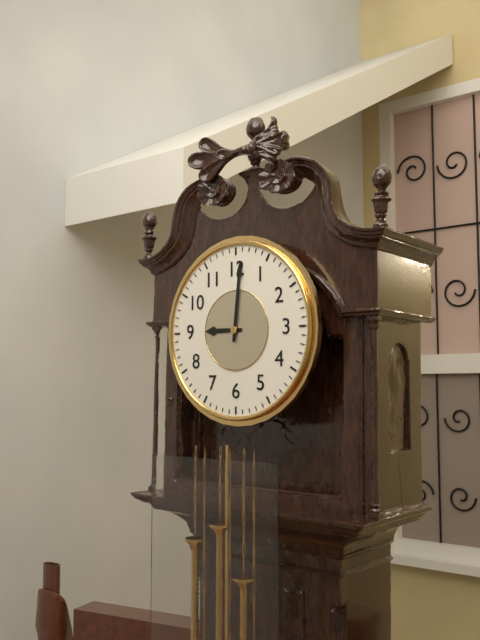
9:01
